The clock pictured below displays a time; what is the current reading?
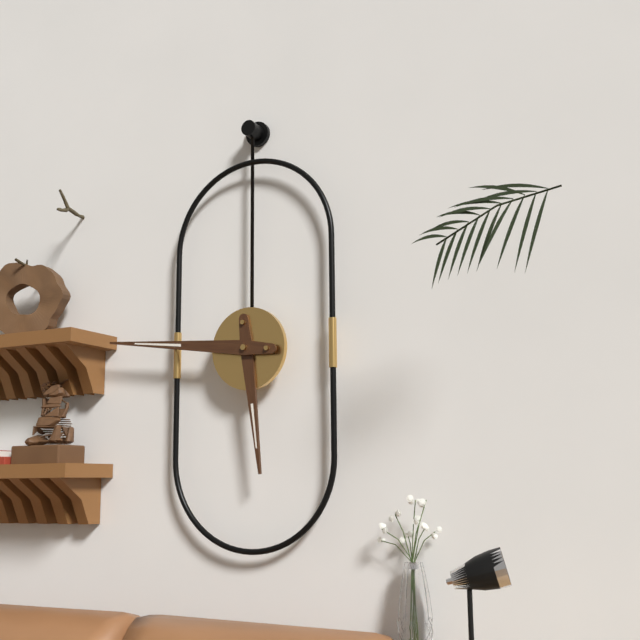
5:46
